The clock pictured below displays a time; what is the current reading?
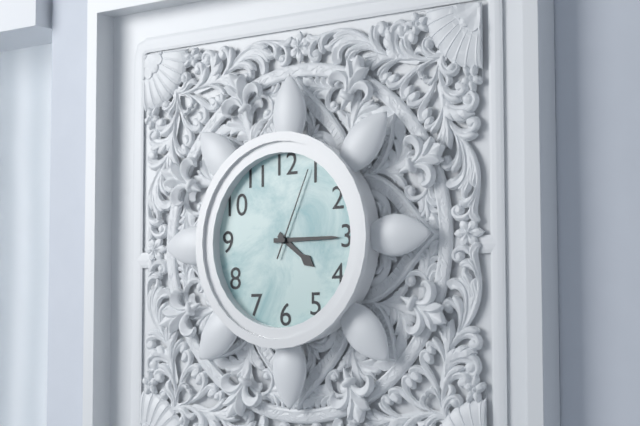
4:15:04
